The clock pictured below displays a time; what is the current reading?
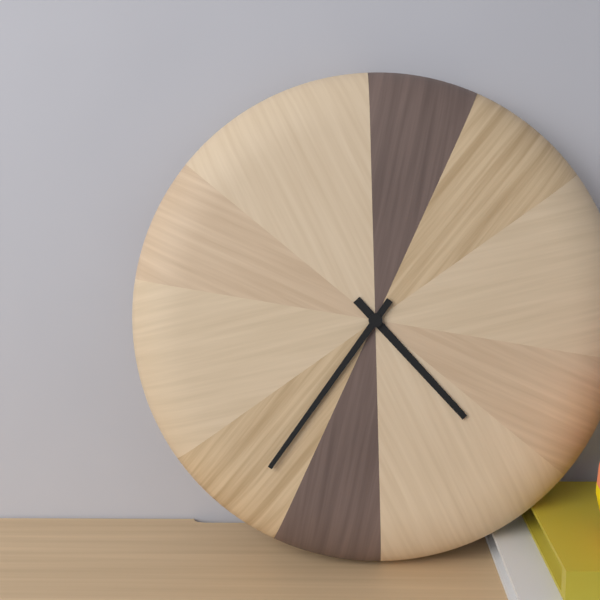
4:36
